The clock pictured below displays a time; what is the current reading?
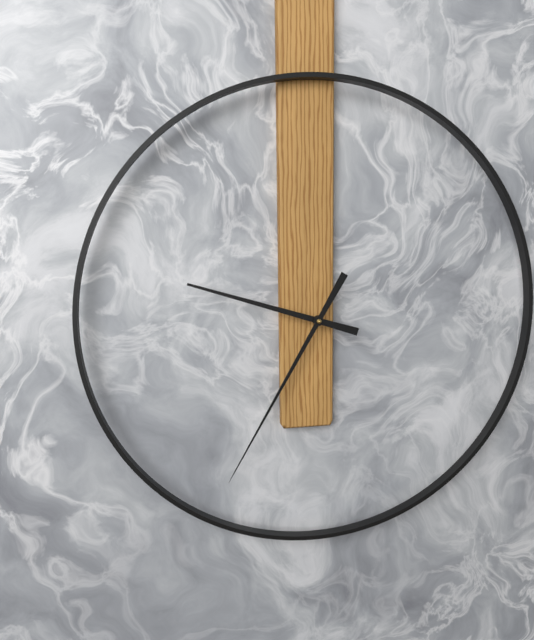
9:35
